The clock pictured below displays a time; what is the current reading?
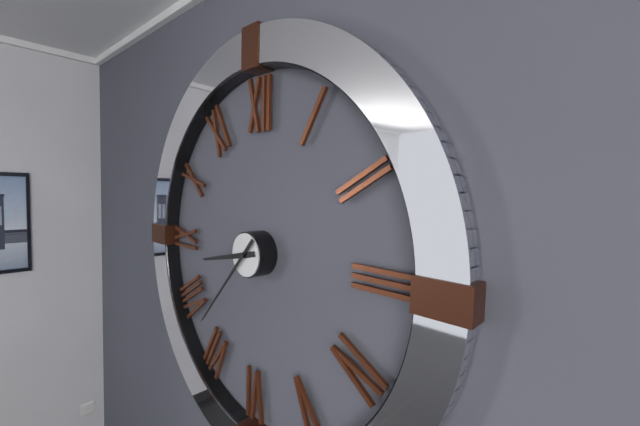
8:37
